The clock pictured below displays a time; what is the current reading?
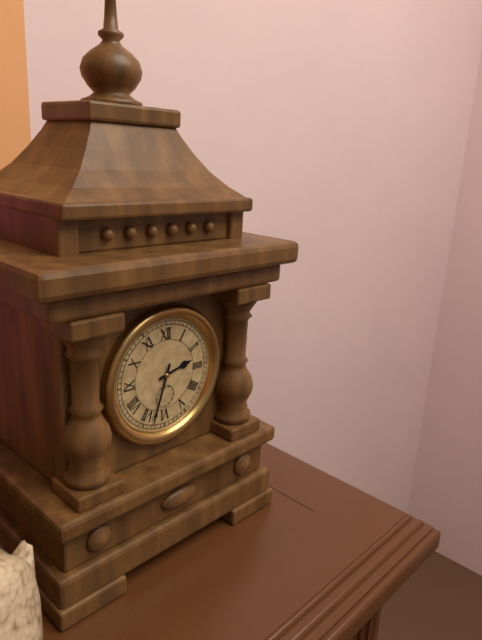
2:33
